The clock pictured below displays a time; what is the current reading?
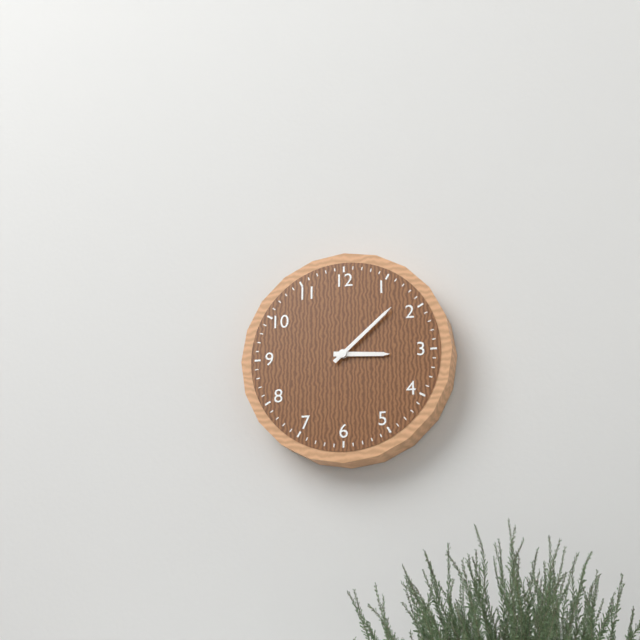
3:08
